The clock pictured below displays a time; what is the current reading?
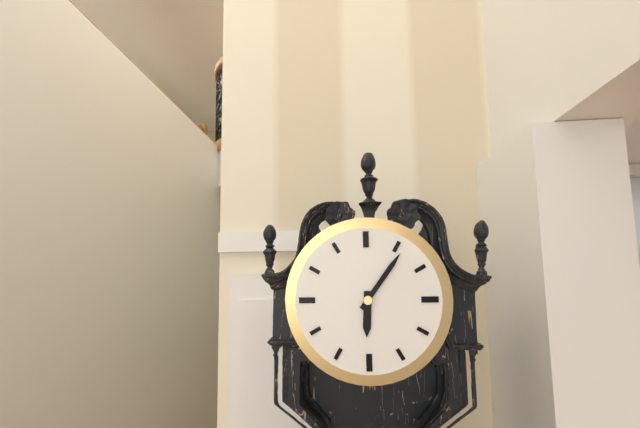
6:06
